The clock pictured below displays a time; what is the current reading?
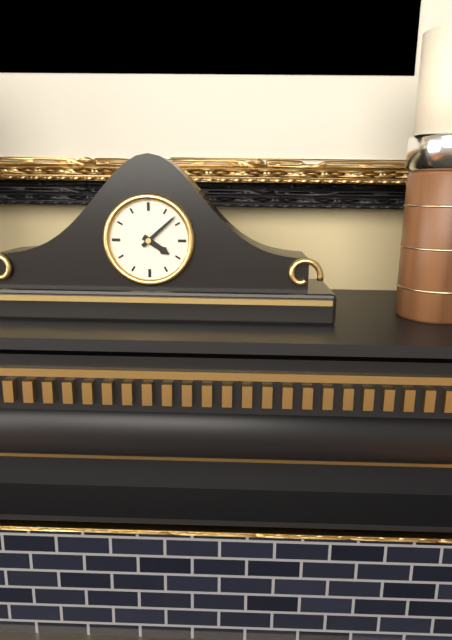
4:08
